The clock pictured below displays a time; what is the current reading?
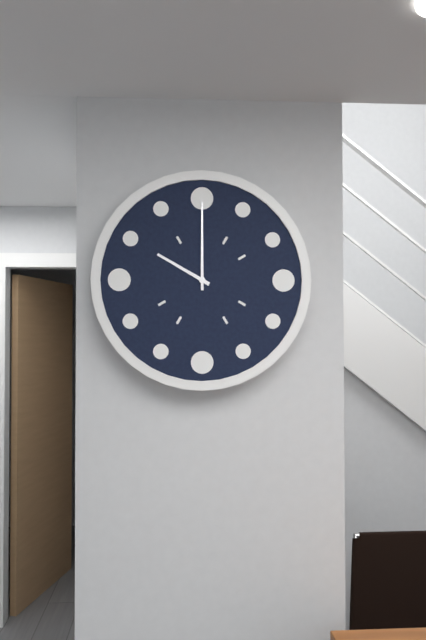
10:00
